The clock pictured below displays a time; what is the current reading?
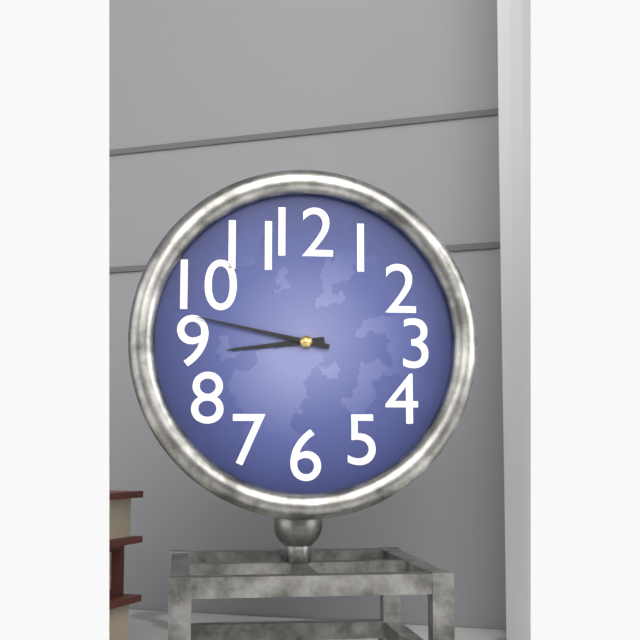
8:47
